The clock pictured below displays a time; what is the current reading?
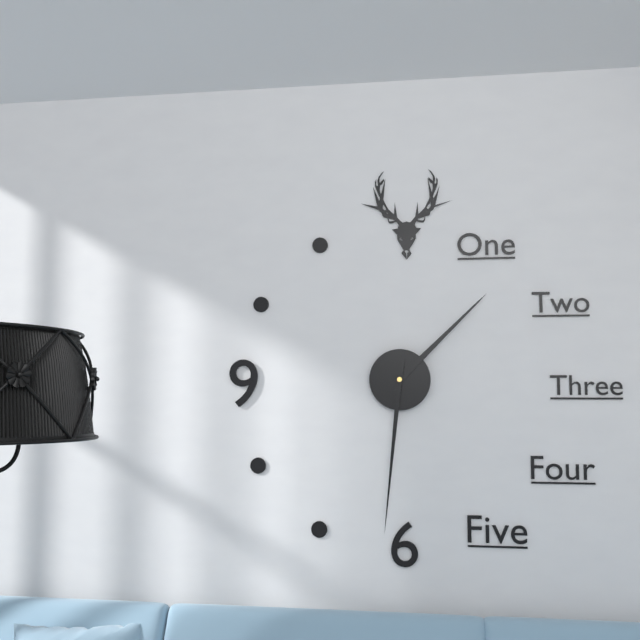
1:31
